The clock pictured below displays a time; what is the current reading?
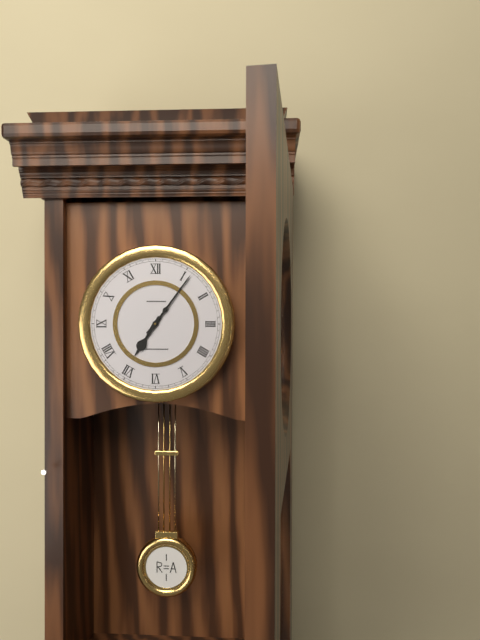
7:06
